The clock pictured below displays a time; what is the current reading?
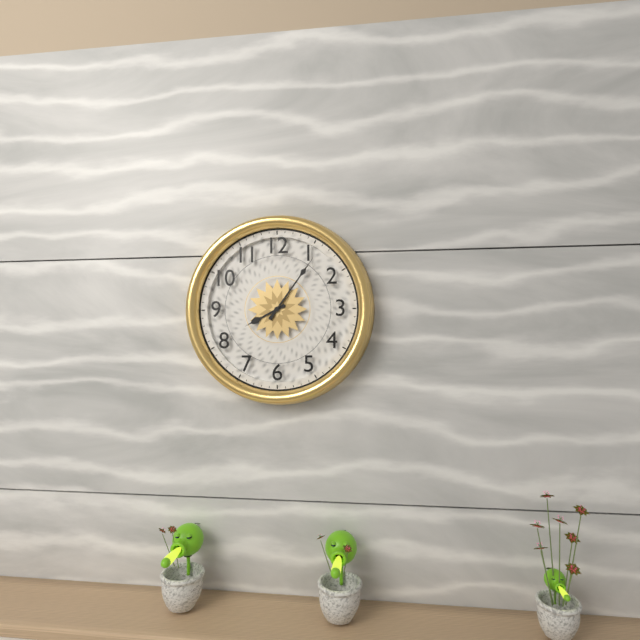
8:06
